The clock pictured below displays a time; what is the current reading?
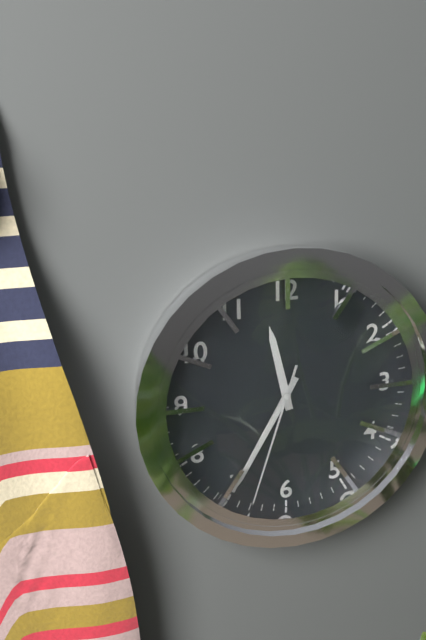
11:35:33
